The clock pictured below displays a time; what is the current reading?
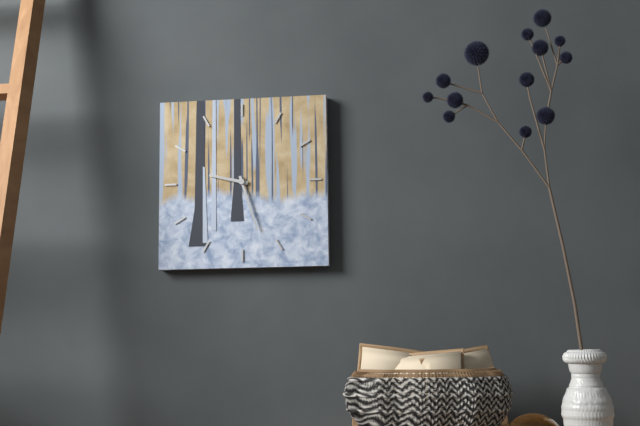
9:27
